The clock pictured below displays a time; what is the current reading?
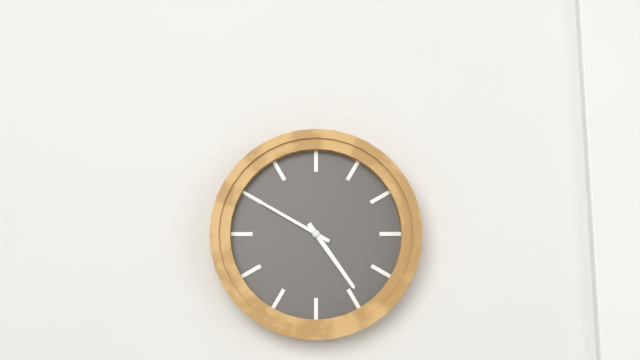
4:50
